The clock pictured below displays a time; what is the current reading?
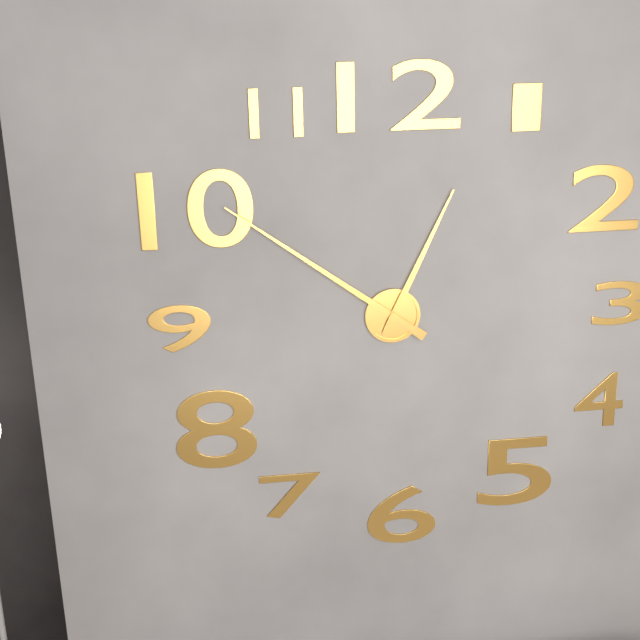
12:51
